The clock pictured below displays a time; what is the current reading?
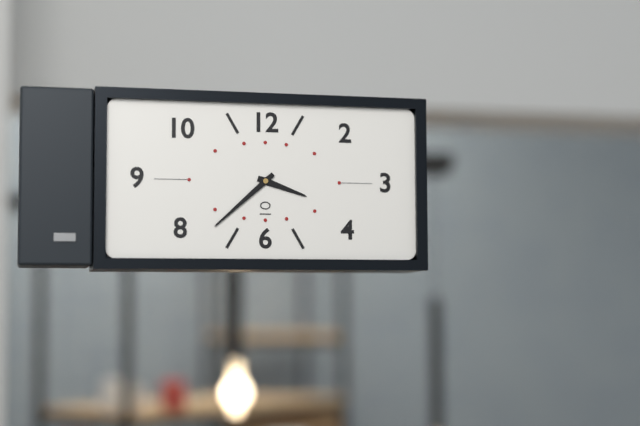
3:38
